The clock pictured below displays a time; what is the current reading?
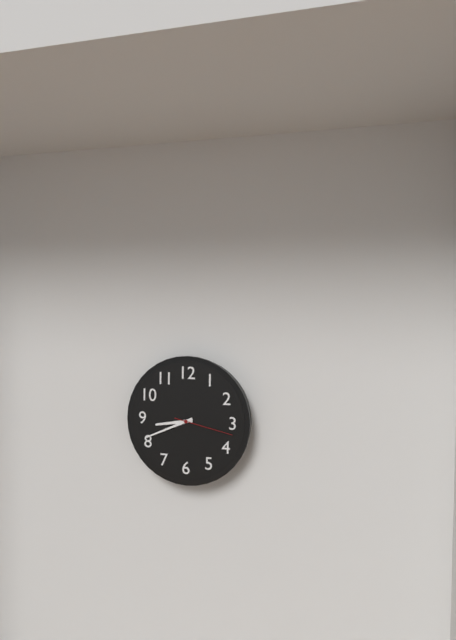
8:41:17
